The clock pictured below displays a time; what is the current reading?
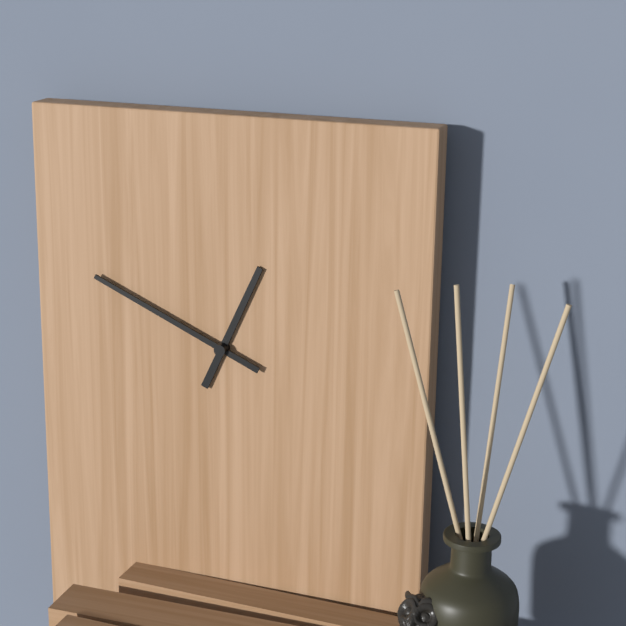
12:49
